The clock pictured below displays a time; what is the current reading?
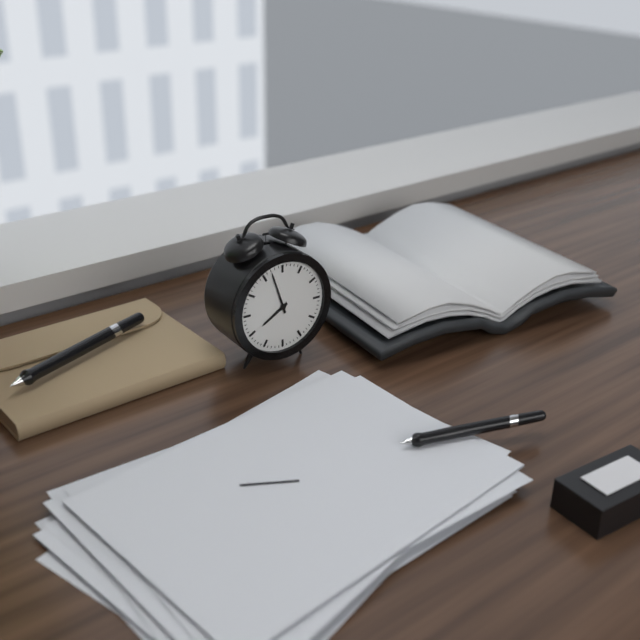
7:57
